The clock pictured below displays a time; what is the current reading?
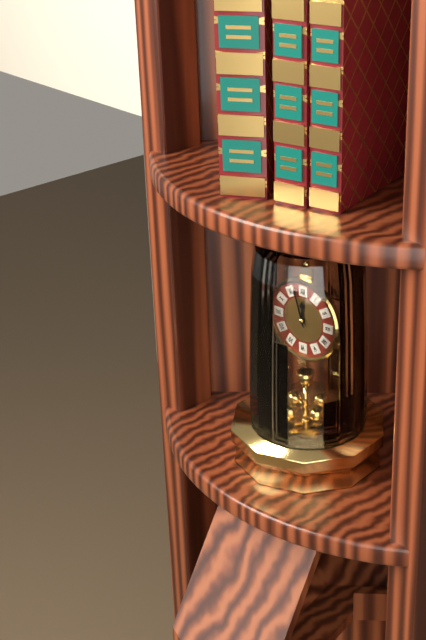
11:57
